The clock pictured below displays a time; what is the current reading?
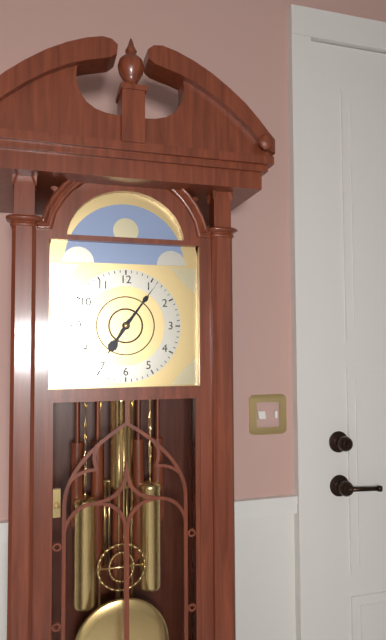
7:06
